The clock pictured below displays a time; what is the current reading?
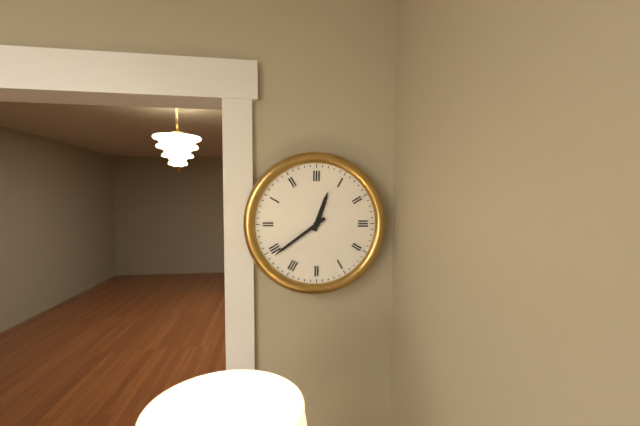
12:39
